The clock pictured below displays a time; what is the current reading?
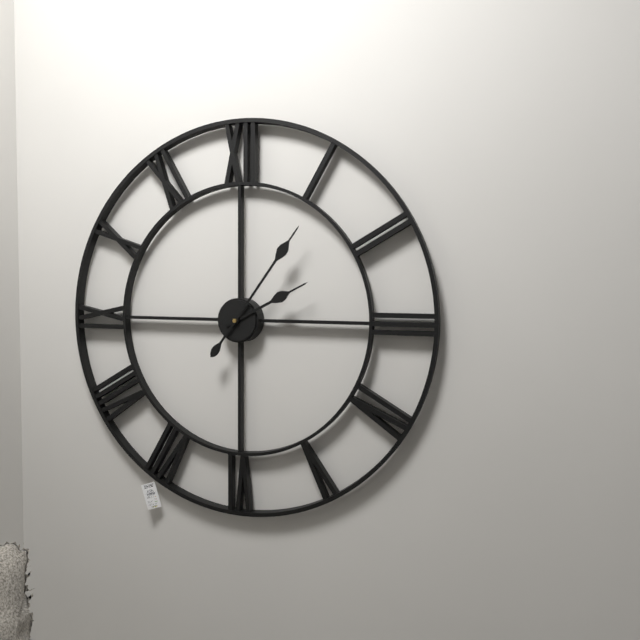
2:06
